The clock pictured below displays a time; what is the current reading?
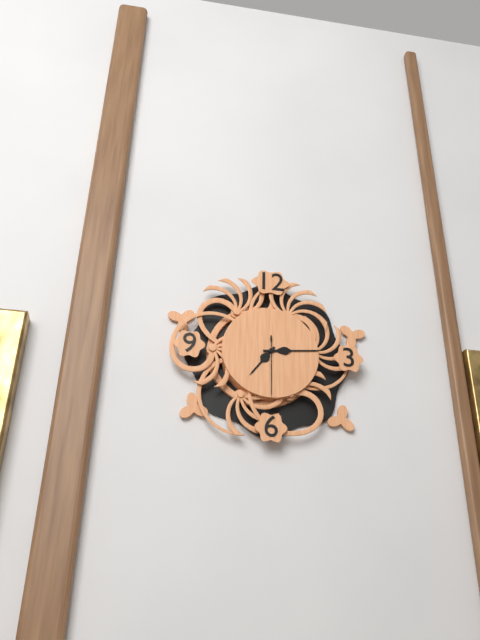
7:14:30
